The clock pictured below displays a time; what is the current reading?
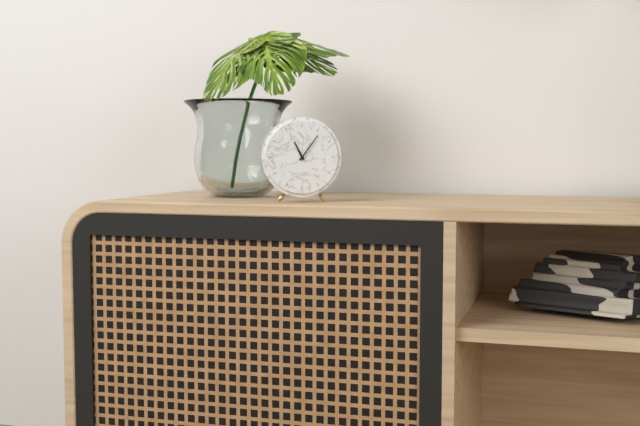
11:06
